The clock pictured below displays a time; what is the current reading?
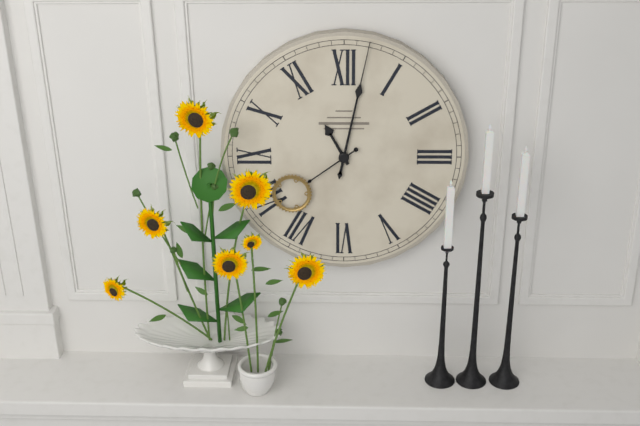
11:02:39
